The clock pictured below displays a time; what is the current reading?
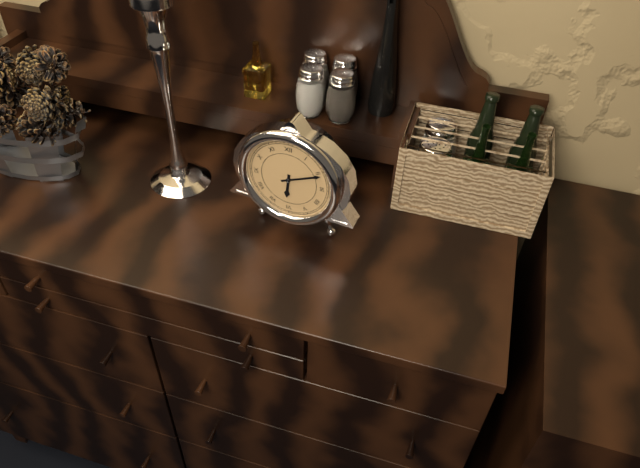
6:11
